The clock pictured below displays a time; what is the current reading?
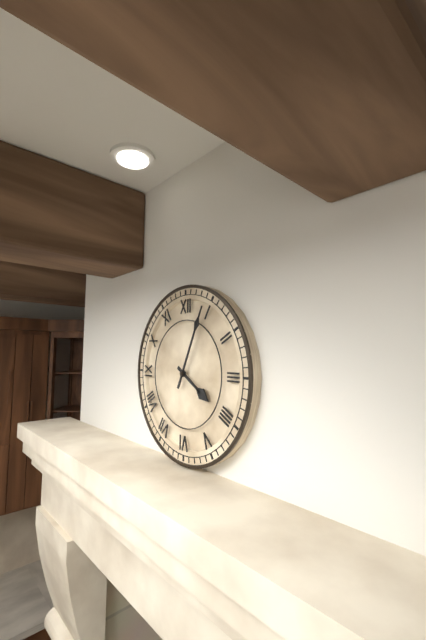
4:04
